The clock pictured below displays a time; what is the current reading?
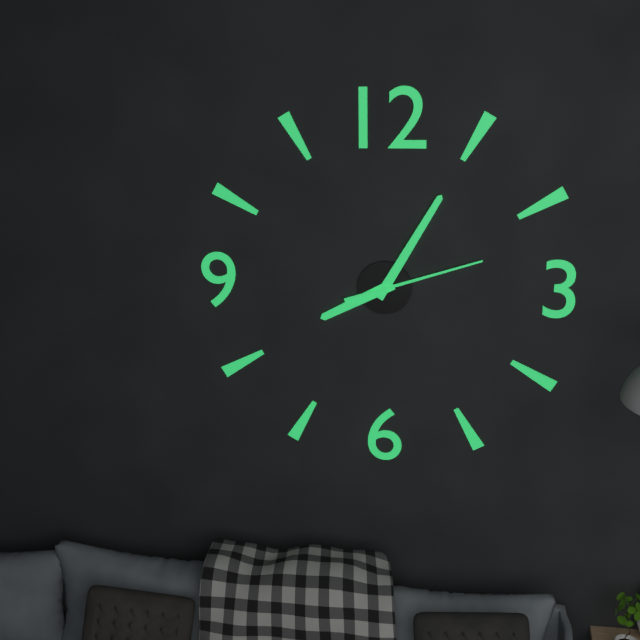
8:05:12
